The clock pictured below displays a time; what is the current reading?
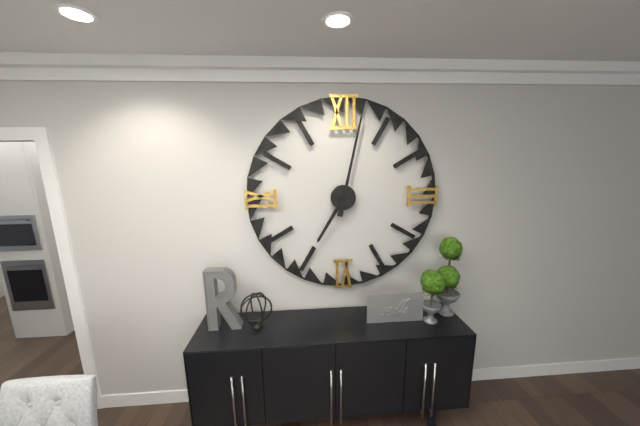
7:02
